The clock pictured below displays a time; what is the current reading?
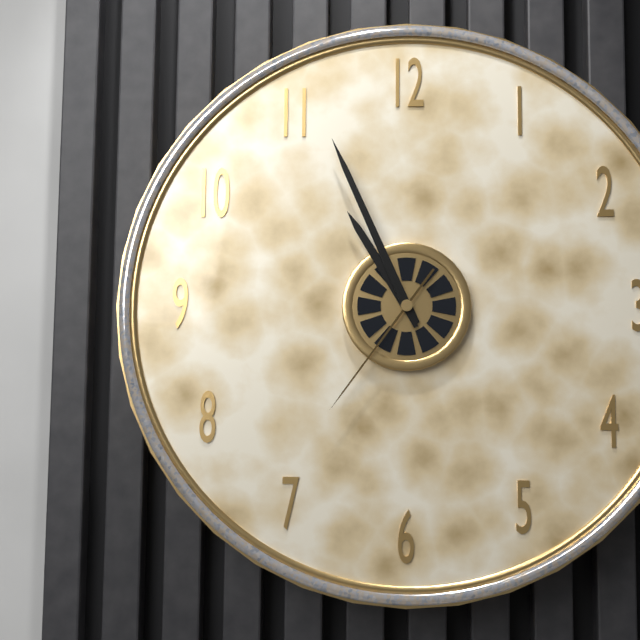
10:56:36
